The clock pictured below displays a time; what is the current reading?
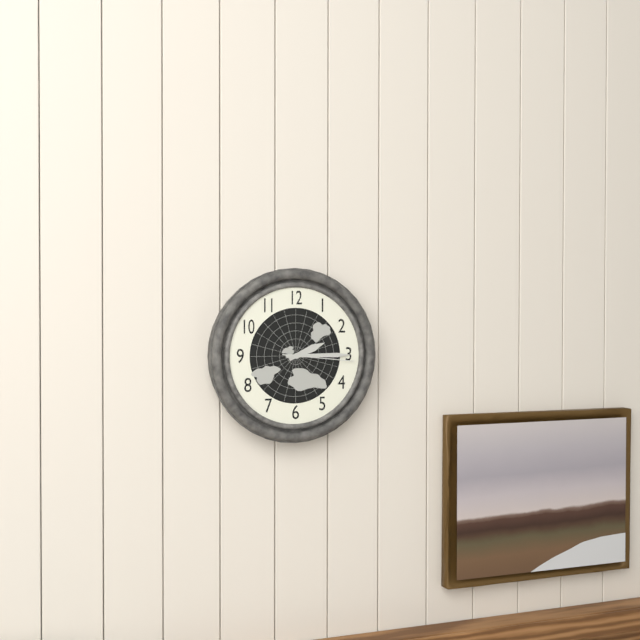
2:15:16
